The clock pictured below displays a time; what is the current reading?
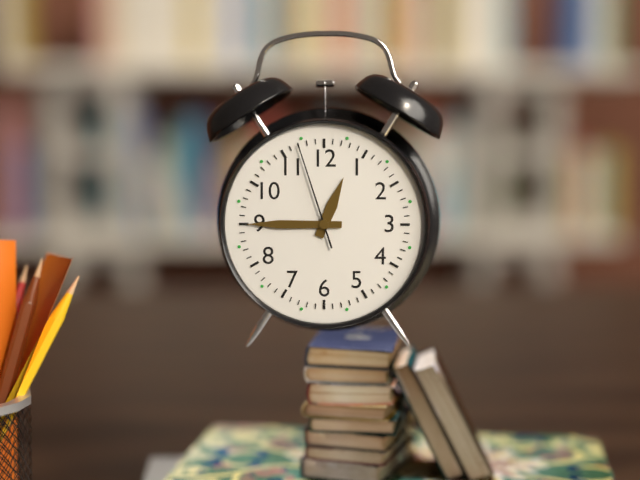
12:45:57
